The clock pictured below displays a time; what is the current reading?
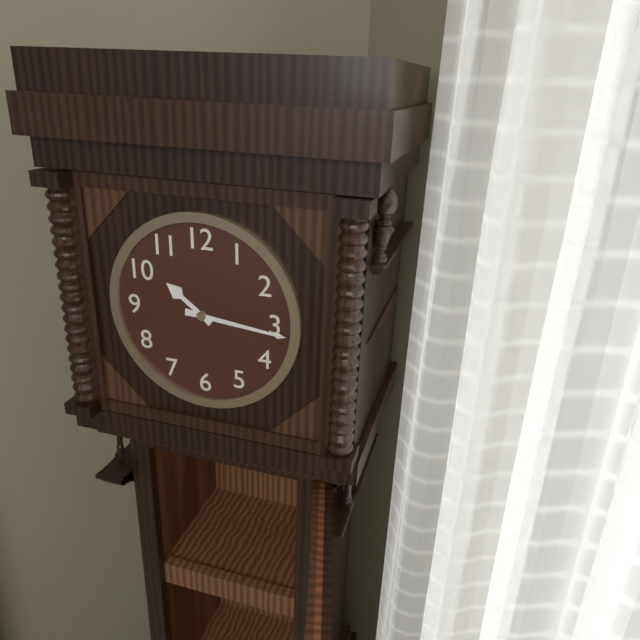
10:16
